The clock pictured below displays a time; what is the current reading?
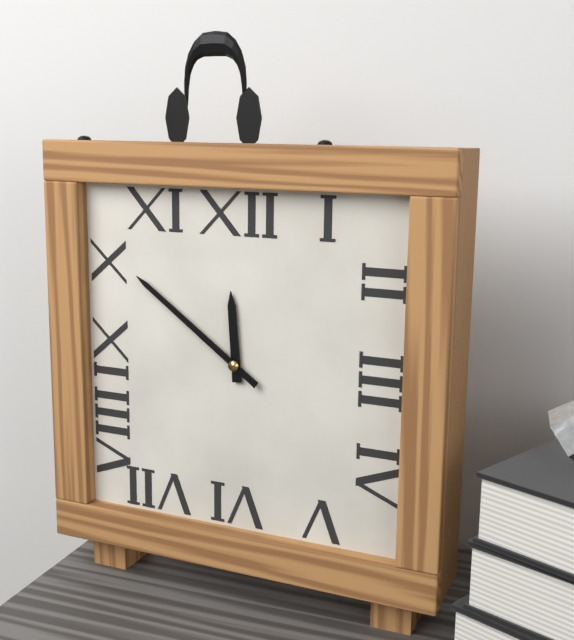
11:51
